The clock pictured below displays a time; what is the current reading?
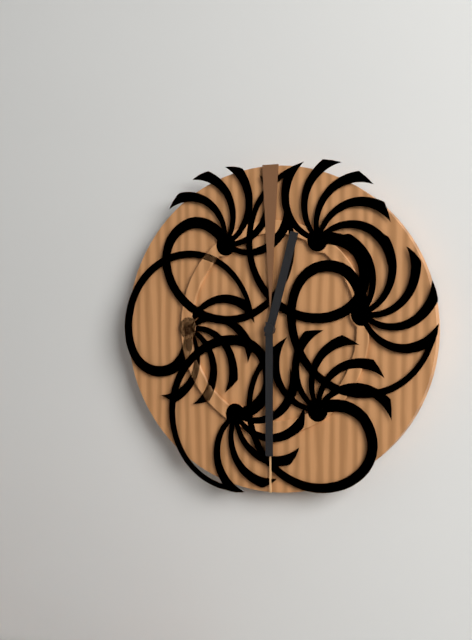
12:30
